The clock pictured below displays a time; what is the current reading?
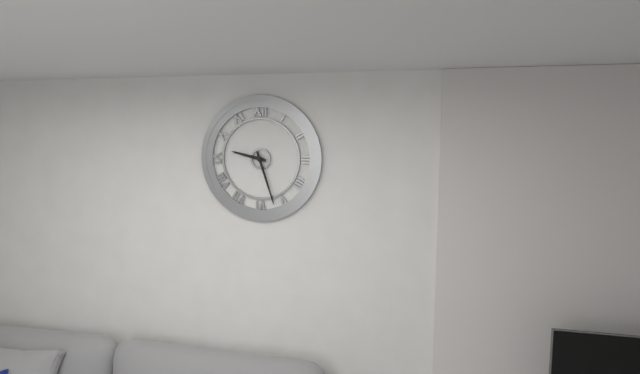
9:27
